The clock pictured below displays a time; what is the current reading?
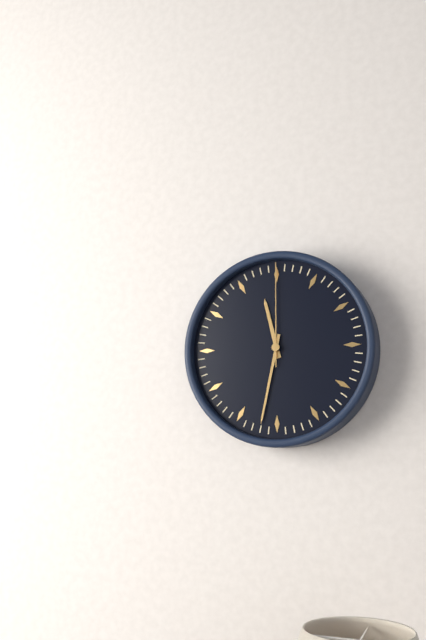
11:32:00
